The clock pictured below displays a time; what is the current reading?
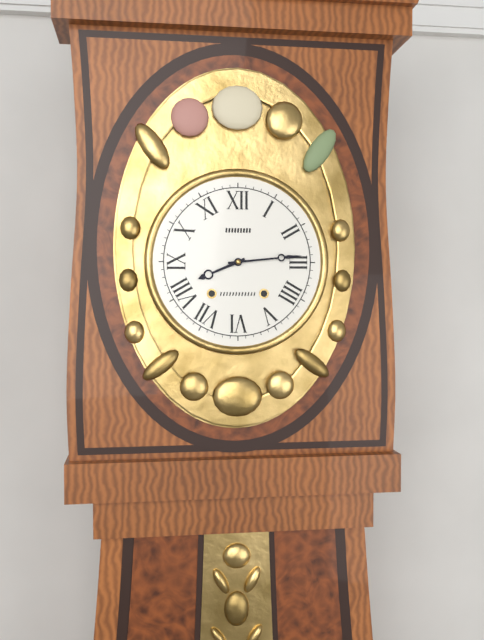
8:14
